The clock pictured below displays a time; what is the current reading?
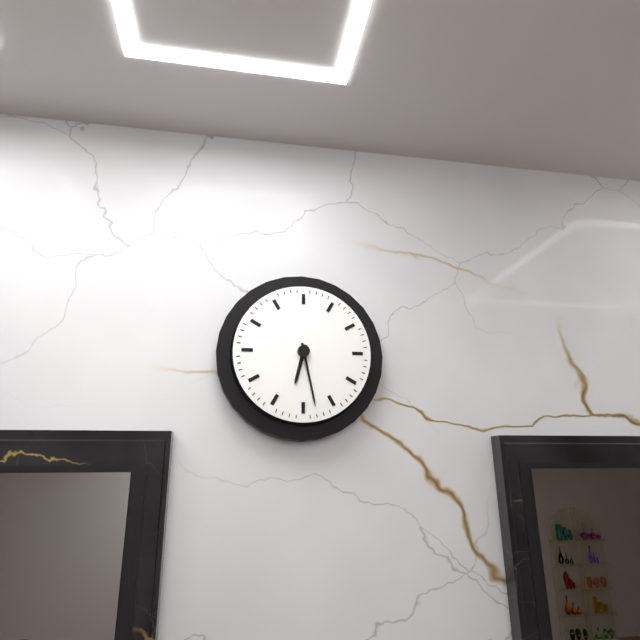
6:28
